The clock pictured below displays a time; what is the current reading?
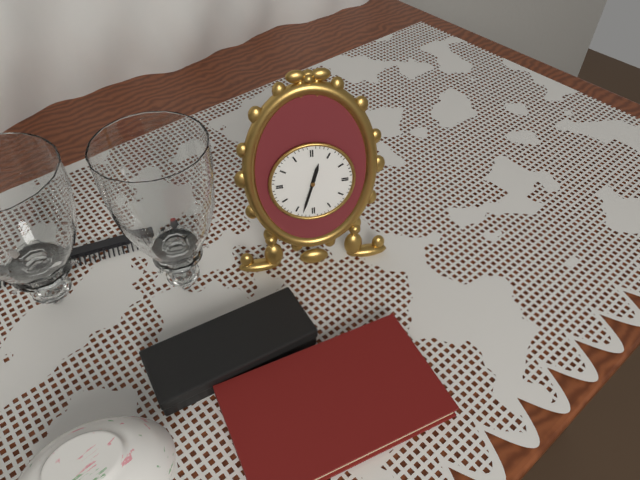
12:33
